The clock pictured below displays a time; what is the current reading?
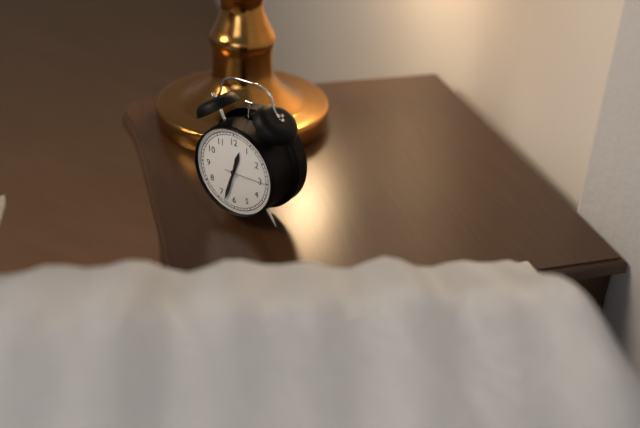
12:33
